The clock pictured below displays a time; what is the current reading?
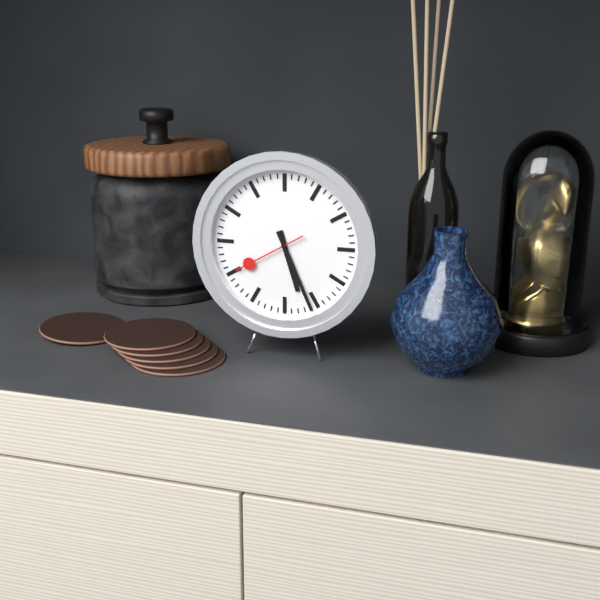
5:26:40
